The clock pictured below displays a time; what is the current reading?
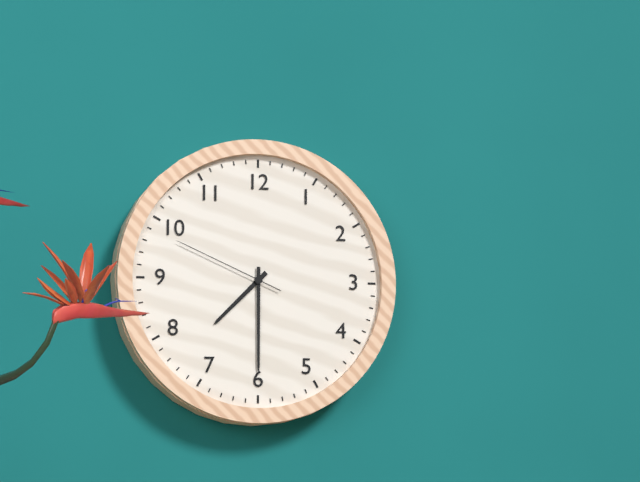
7:30:49
